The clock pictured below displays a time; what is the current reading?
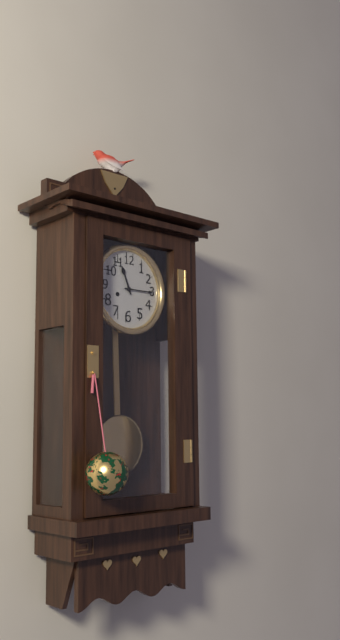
11:15
